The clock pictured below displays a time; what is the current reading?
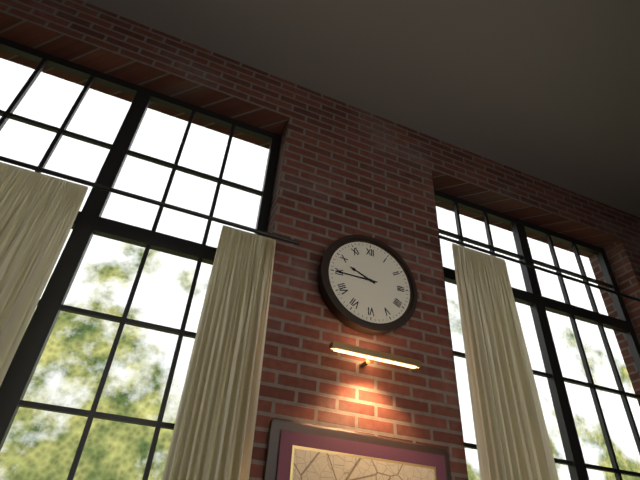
9:45
